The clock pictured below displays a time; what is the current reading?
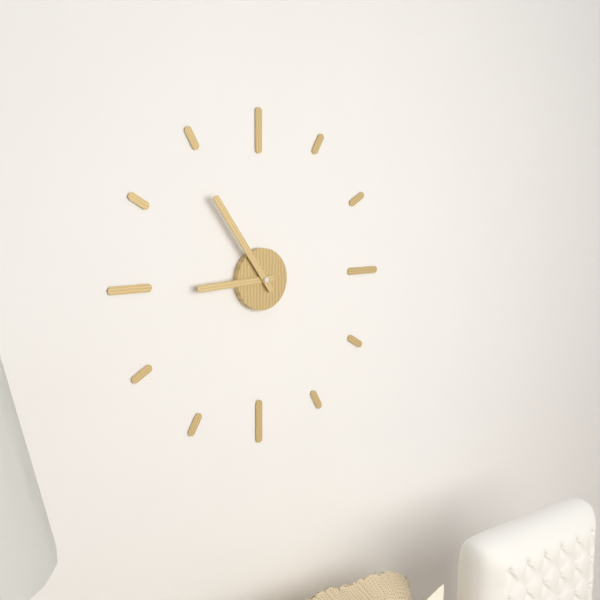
8:54
